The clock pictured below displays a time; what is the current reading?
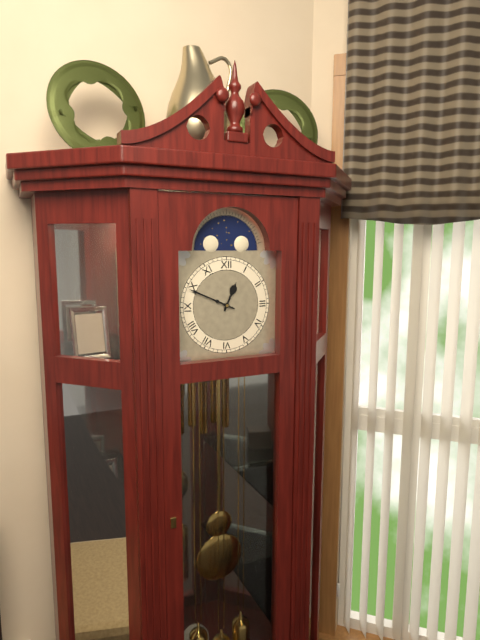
12:49
